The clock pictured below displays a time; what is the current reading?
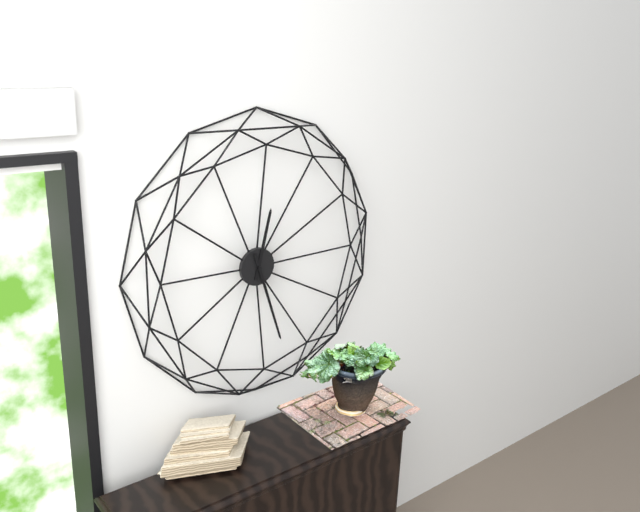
12:27
